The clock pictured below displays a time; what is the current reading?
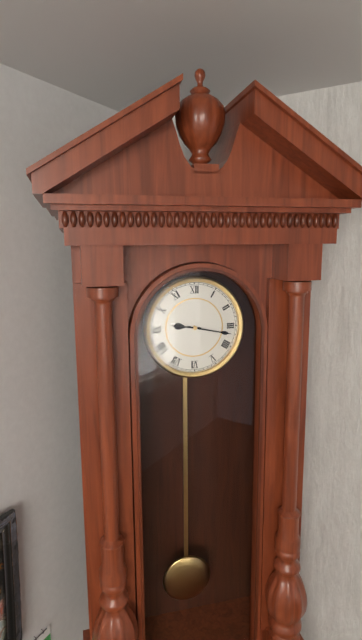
9:17
